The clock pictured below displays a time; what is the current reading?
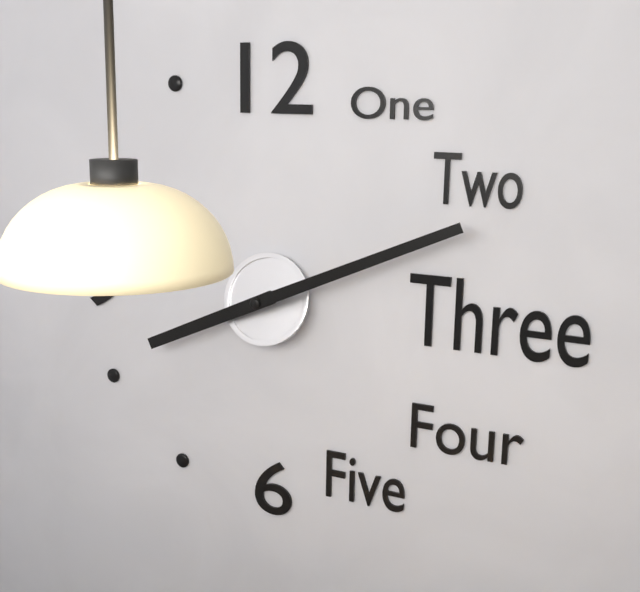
8:11
